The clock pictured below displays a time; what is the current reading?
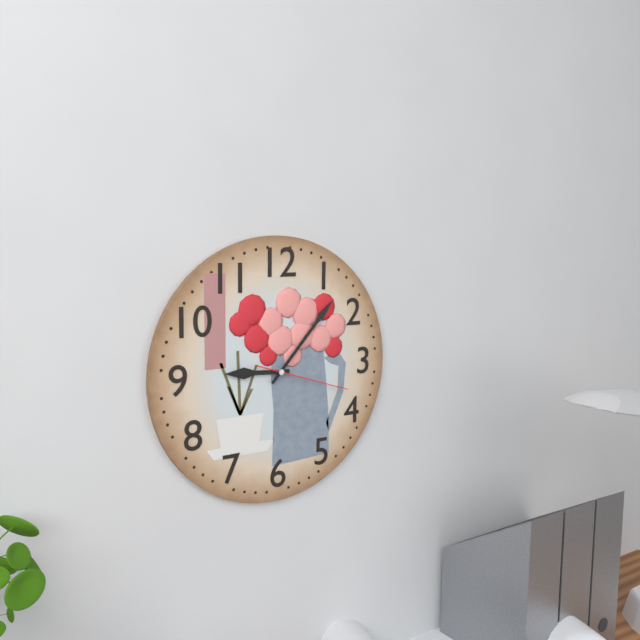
9:07:18
